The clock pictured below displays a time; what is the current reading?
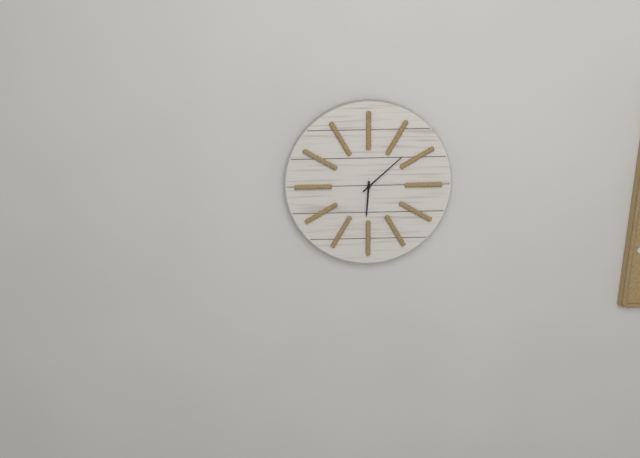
6:08
